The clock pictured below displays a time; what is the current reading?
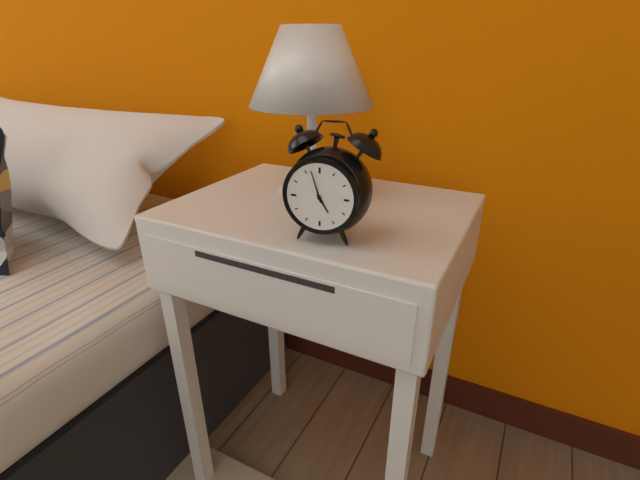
4:57
